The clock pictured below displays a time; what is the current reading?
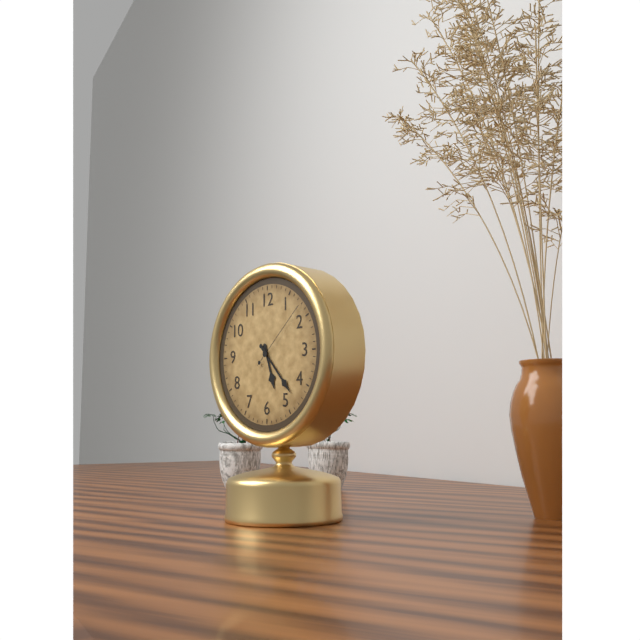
5:23:08
